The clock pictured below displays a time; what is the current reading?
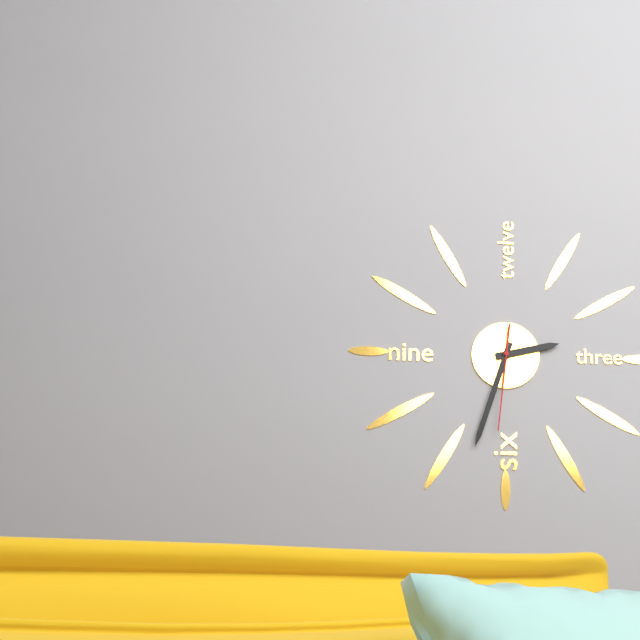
2:33:31
